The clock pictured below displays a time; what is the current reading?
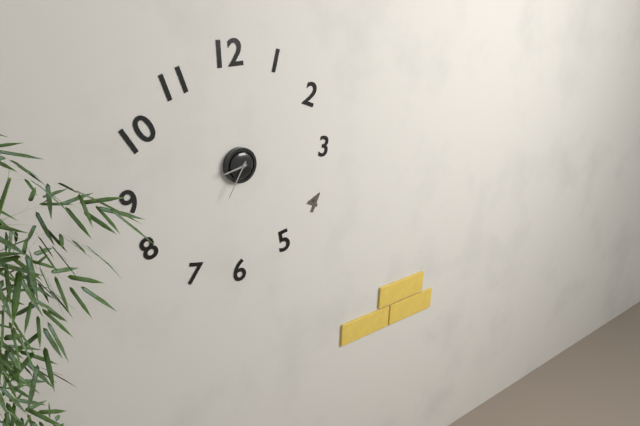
8:35
